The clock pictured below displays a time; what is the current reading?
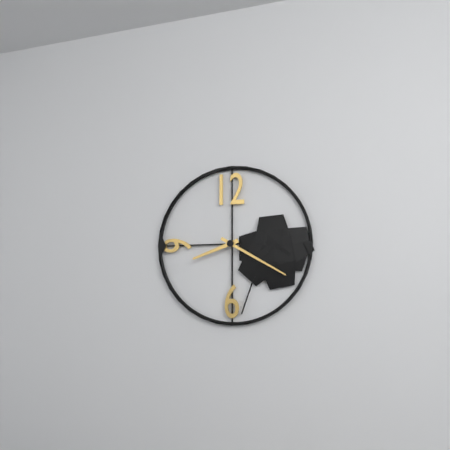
8:20
